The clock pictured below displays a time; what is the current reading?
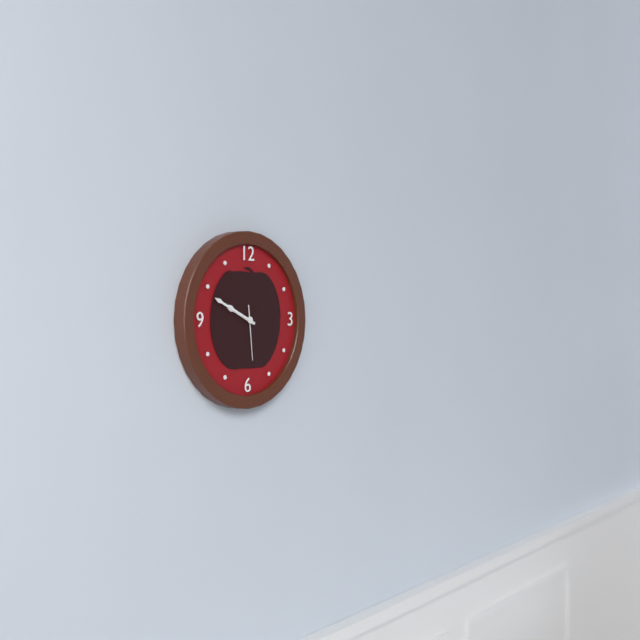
9:49:29
